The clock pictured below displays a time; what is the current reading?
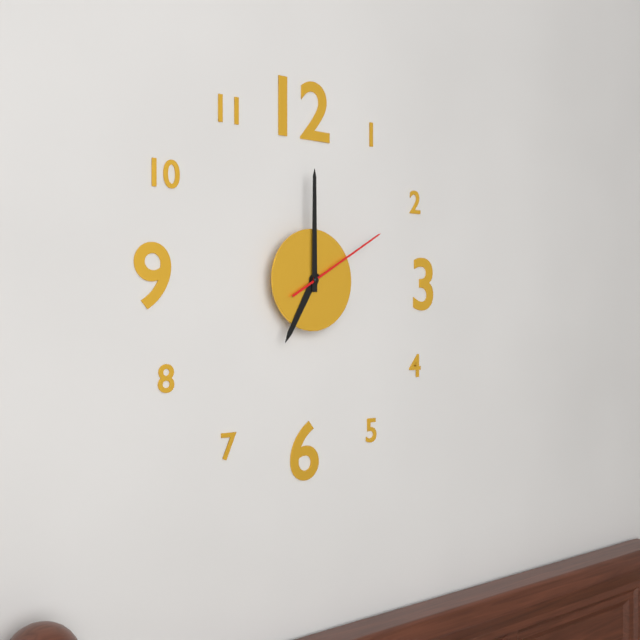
7:00:10
